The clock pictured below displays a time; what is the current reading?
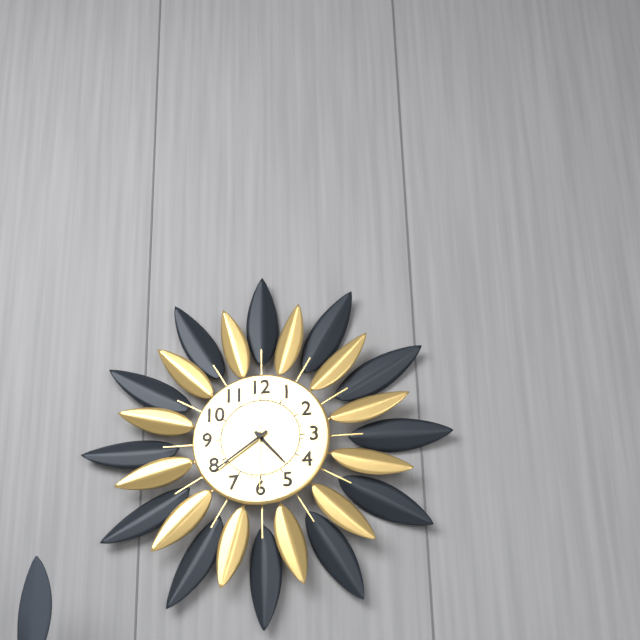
4:39:30
